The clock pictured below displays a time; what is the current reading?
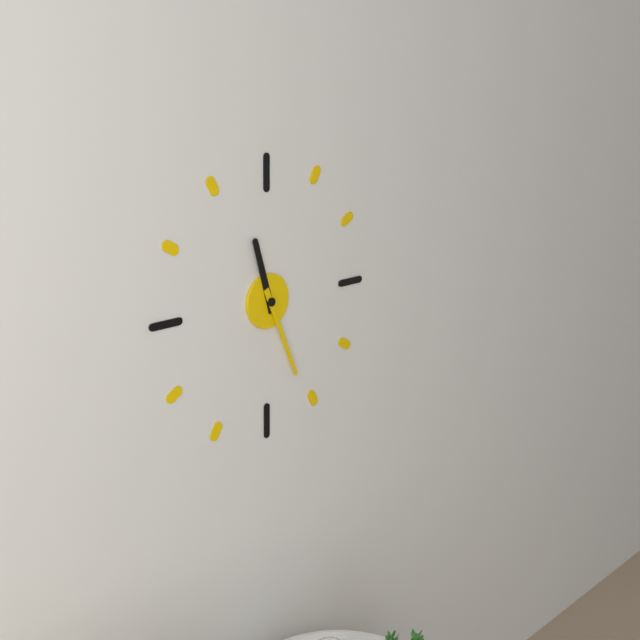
11:26
